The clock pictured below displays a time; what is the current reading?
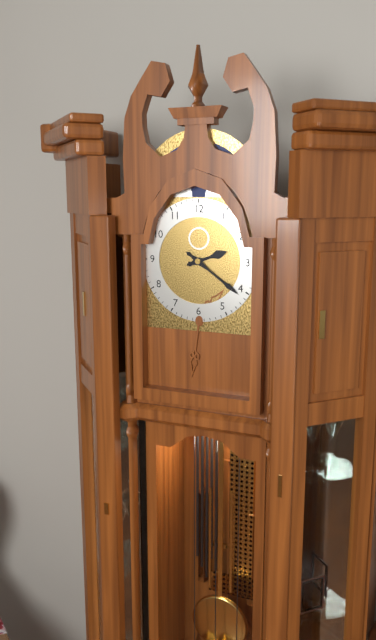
2:21
